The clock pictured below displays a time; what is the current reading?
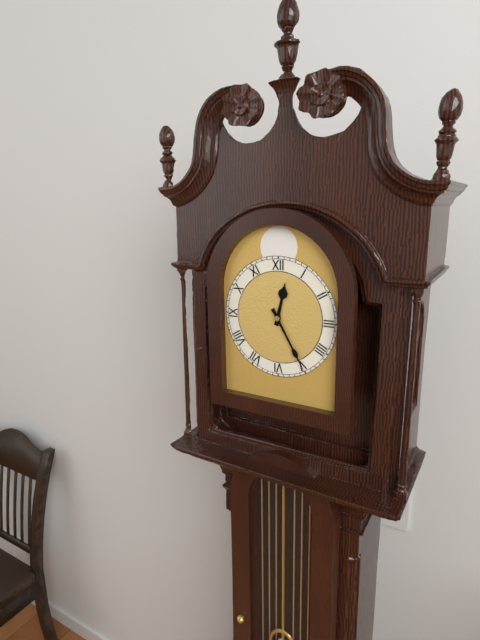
12:25
